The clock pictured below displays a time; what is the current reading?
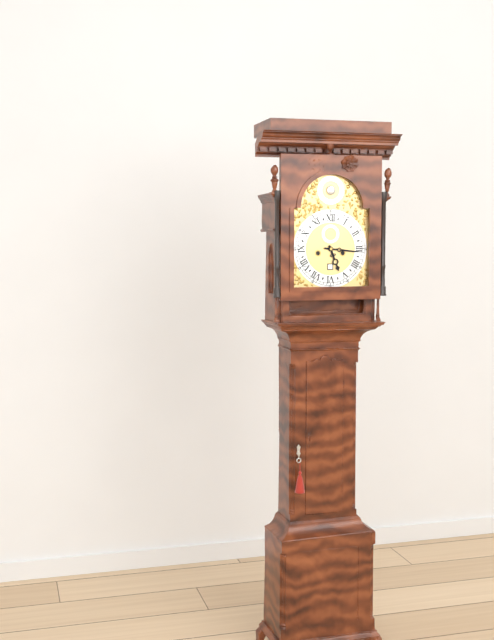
5:16
